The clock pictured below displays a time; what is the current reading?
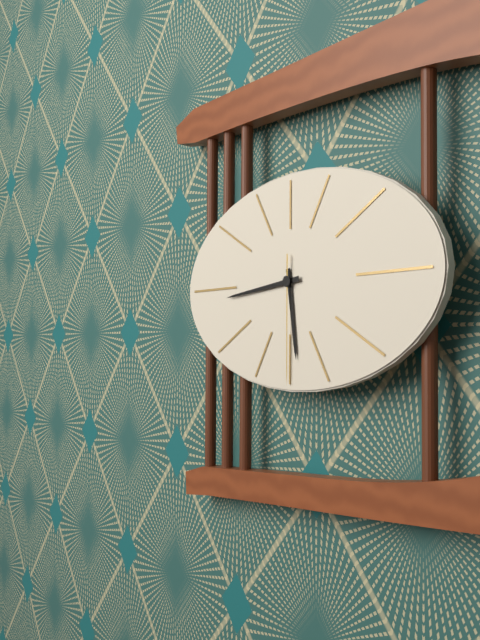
5:44:30
